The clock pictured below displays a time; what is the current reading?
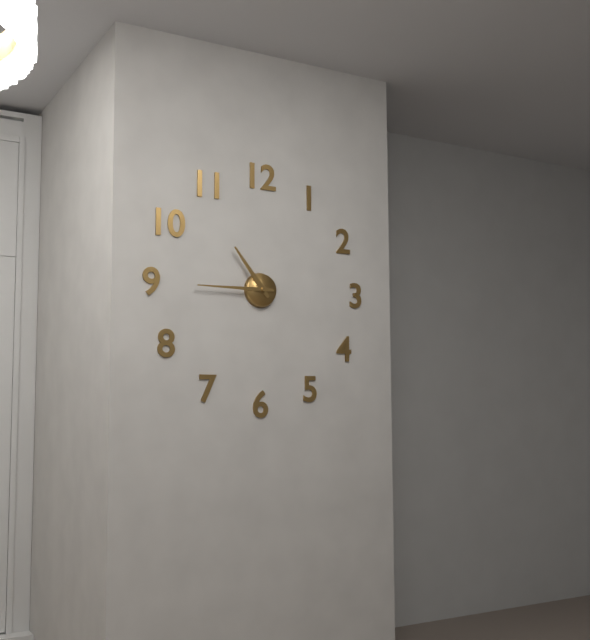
10:45
